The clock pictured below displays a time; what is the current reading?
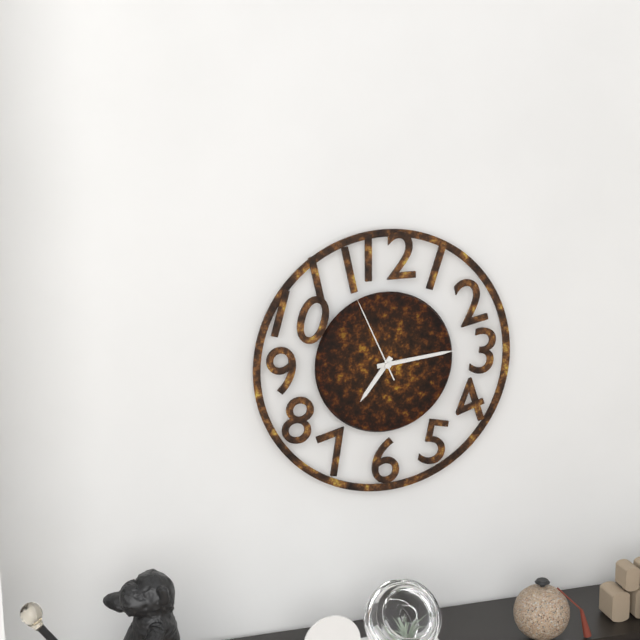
7:14:56
